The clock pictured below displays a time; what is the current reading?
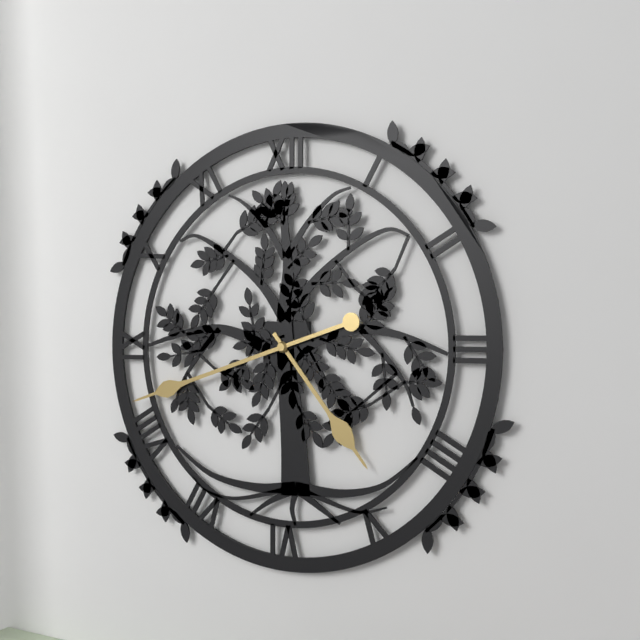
4:42
